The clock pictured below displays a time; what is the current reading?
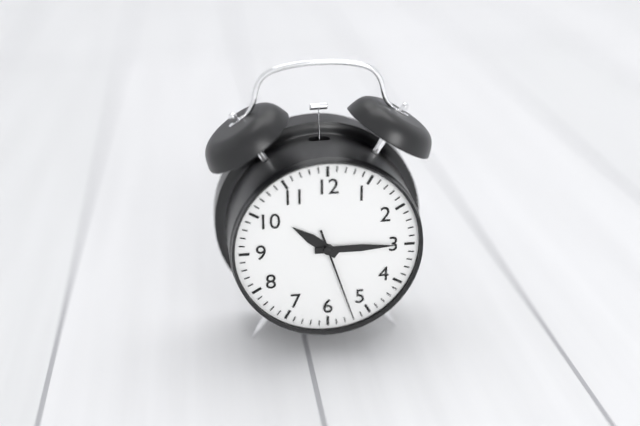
10:15:27
